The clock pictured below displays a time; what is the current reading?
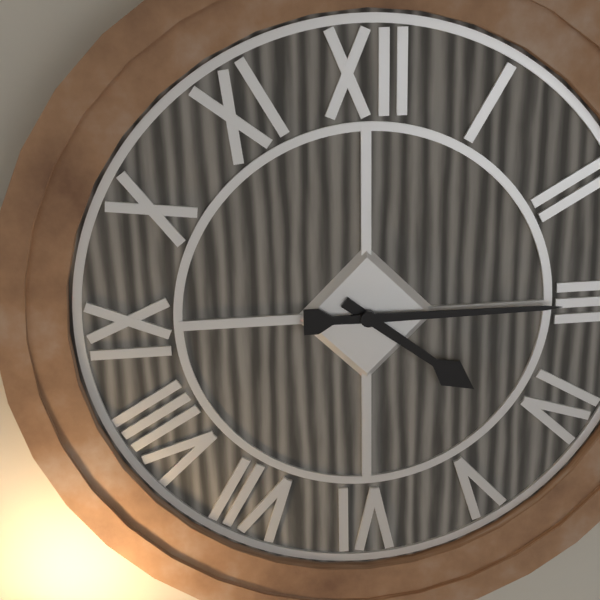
4:15
